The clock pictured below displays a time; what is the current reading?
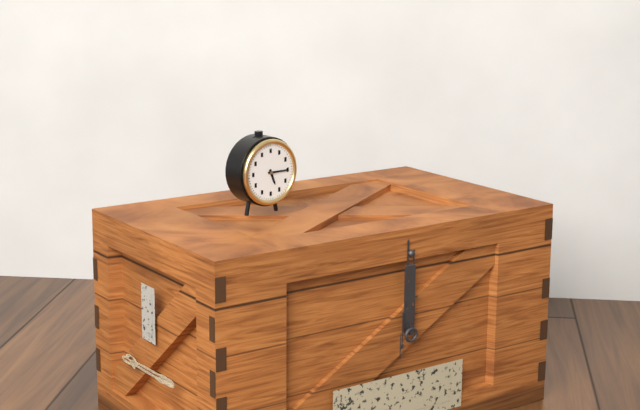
5:15
